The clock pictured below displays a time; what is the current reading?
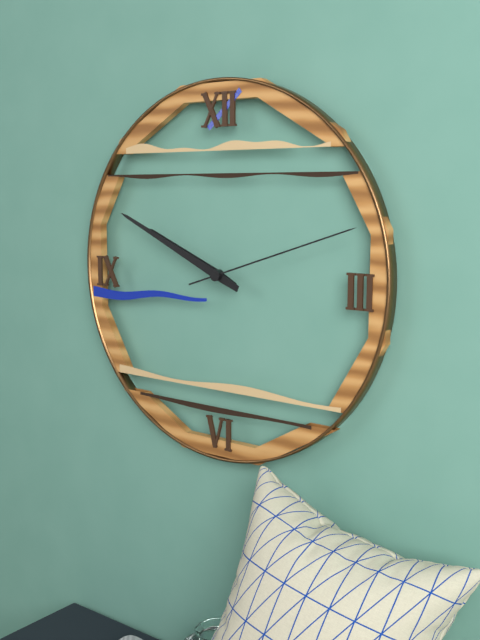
9:49:12
